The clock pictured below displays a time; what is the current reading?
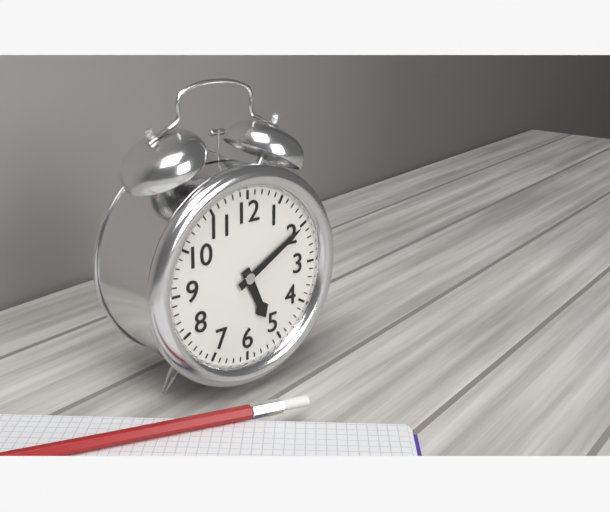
5:10
